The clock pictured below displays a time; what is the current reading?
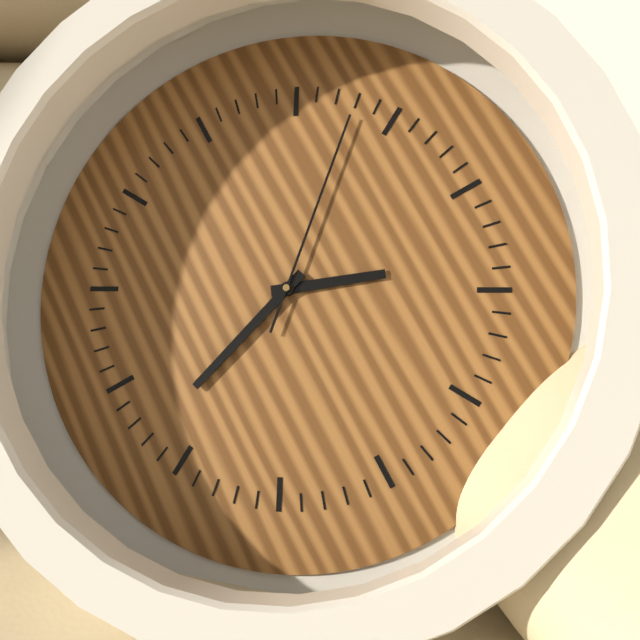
3:42:08
